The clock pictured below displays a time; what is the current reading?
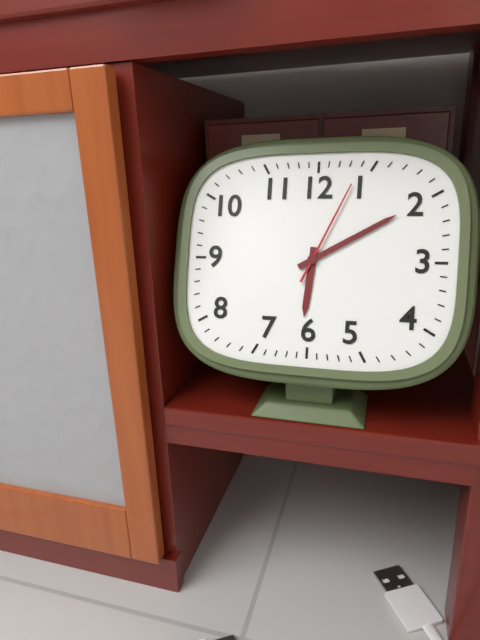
6:10:04
